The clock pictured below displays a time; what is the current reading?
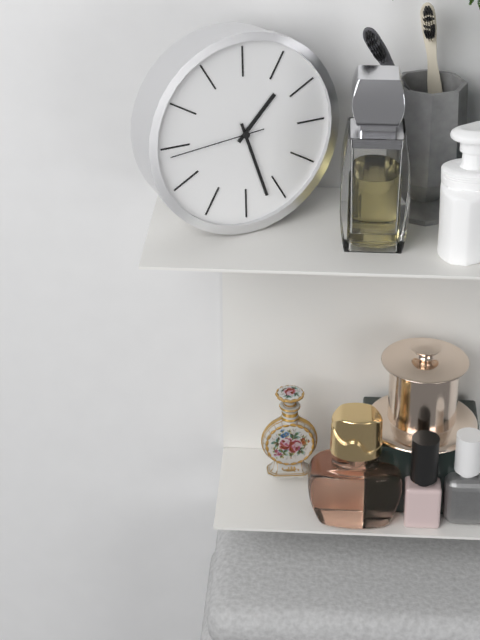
1:27:44
